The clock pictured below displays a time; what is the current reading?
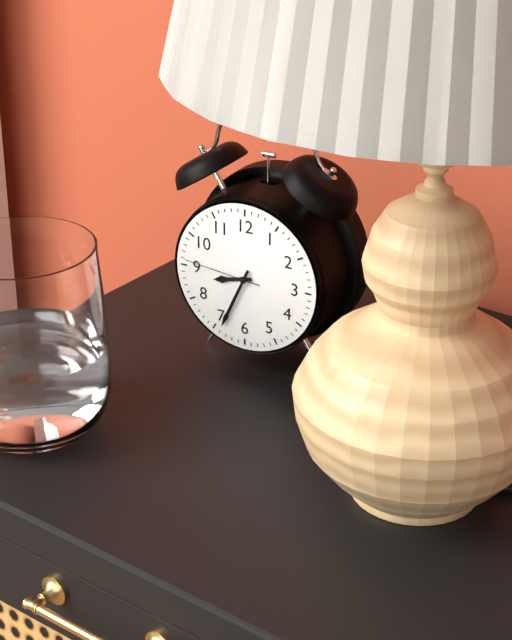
8:34:46
